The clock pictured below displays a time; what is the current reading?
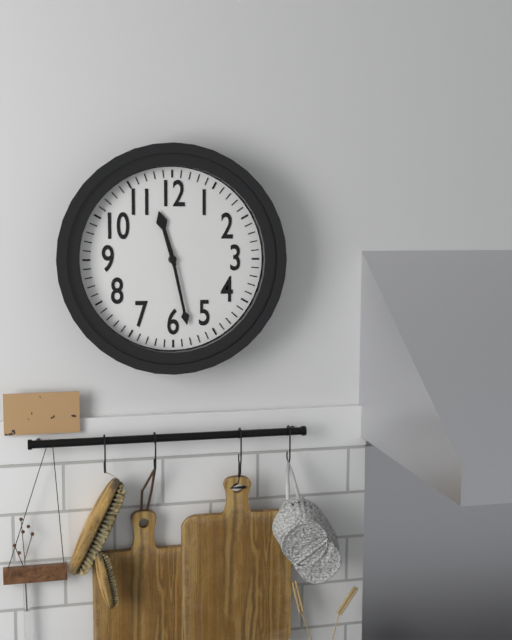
11:28
